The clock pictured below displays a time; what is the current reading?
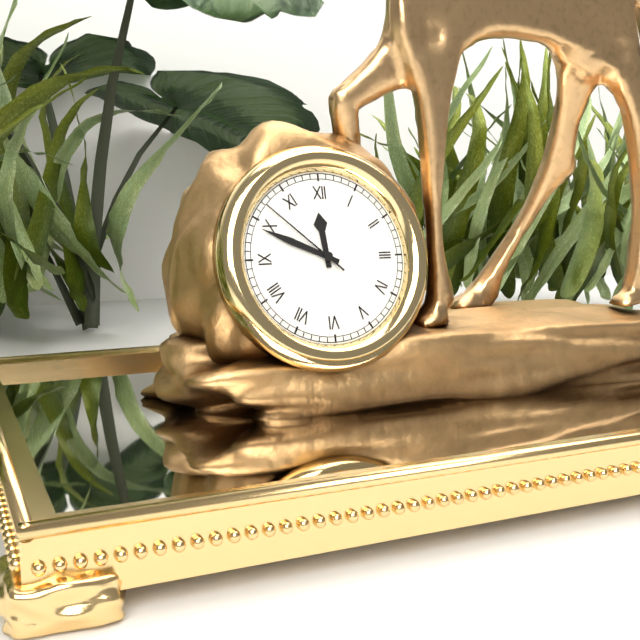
11:49:52
